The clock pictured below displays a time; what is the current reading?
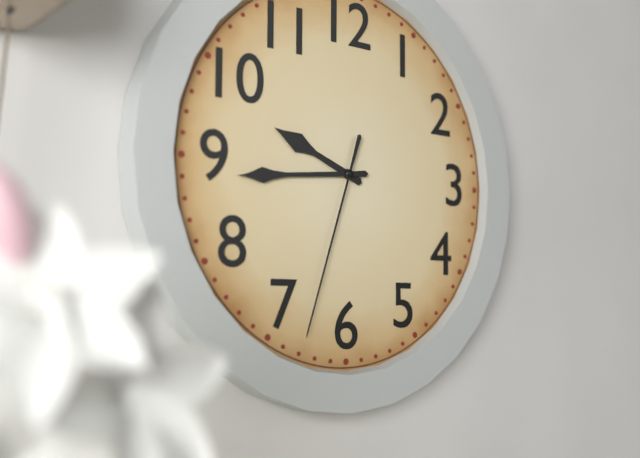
9:44:33
